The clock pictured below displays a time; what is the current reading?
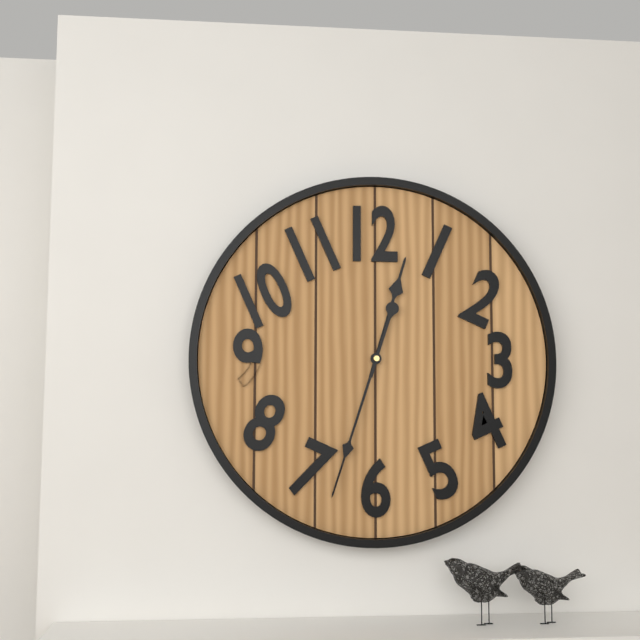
12:33
